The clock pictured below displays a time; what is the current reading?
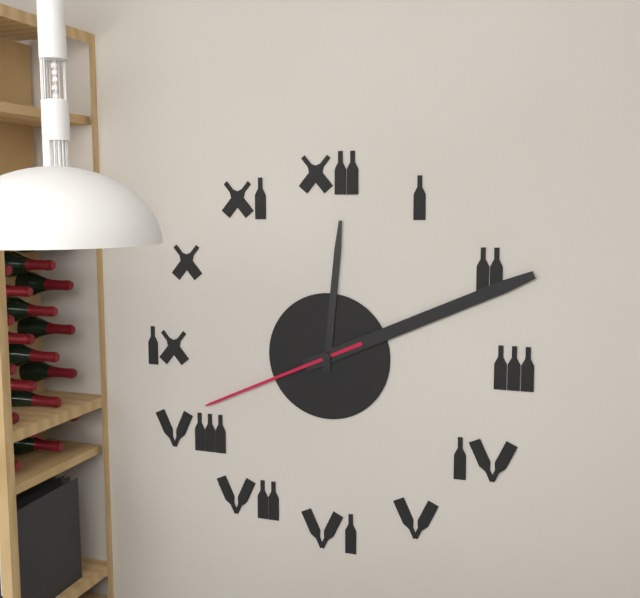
12:11:41
